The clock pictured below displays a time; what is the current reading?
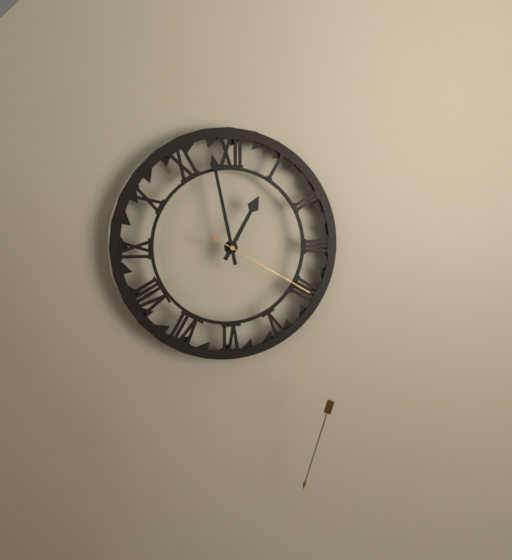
12:58:20
